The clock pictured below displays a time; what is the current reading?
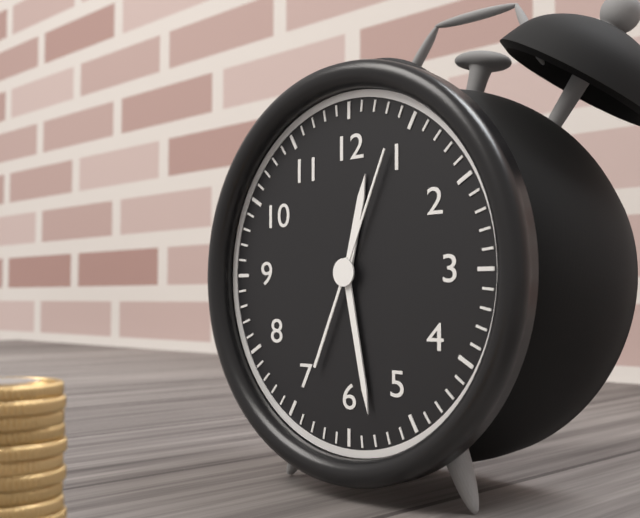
12:28:04
